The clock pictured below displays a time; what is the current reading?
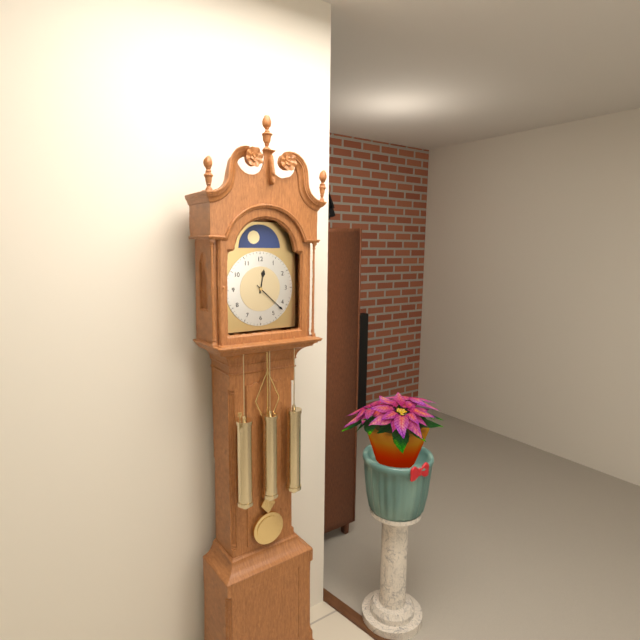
12:22
